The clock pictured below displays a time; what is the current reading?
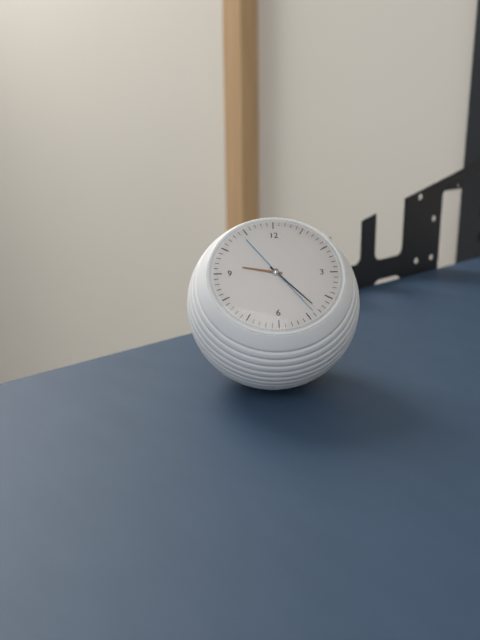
9:23:24
